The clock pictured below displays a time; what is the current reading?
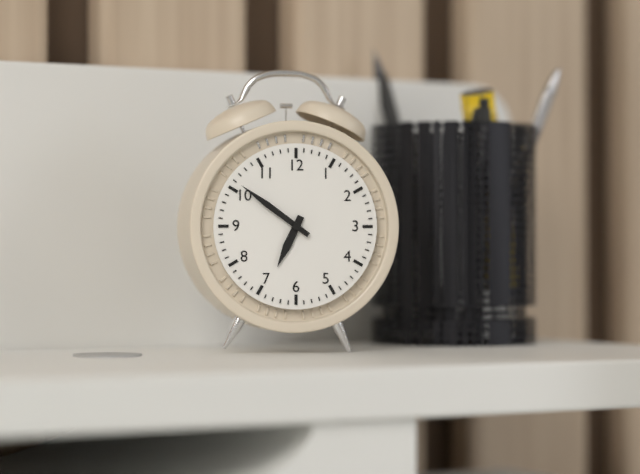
6:51
